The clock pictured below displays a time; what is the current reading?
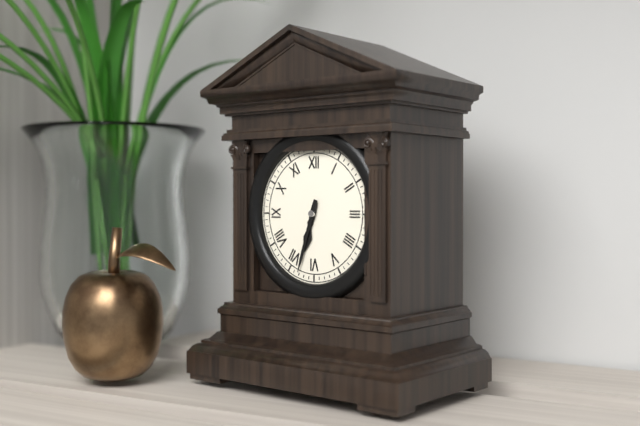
6:33
